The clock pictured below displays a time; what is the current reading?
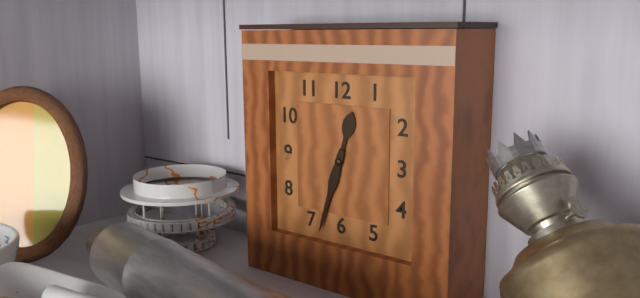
12:33
